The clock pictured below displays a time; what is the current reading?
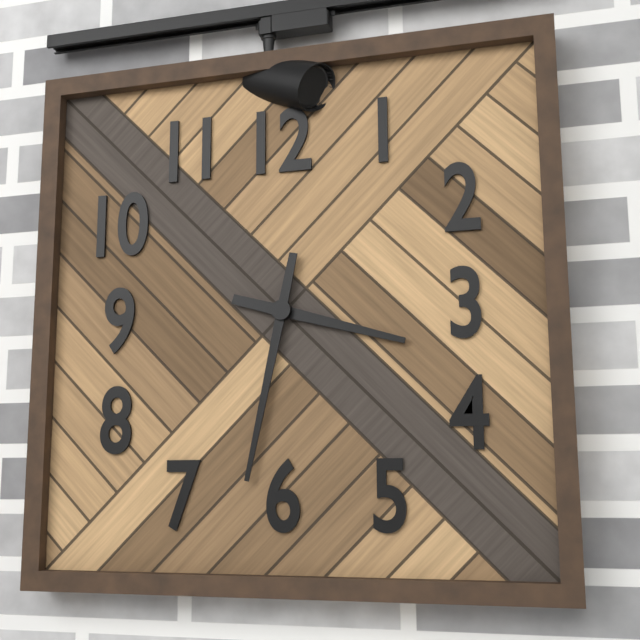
3:32
